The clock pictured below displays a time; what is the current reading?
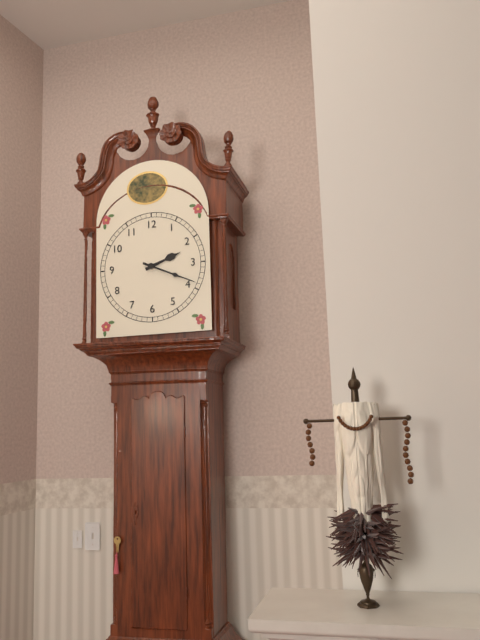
2:19
